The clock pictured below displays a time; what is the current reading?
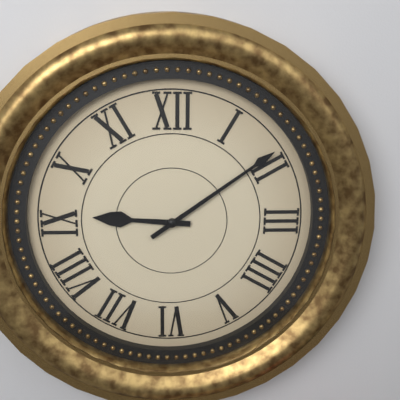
9:09
